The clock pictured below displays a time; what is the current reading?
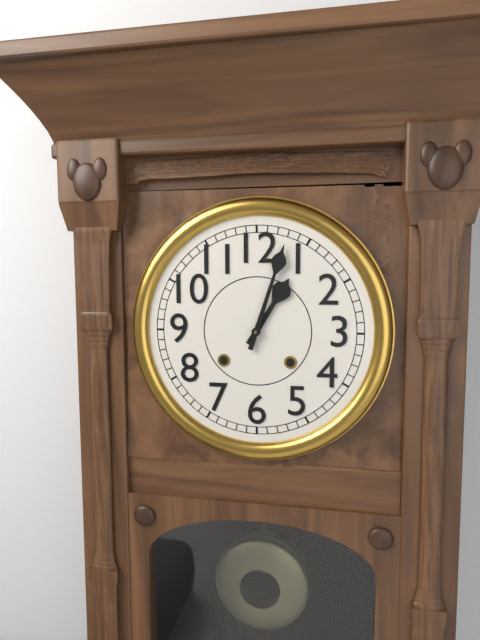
1:03
